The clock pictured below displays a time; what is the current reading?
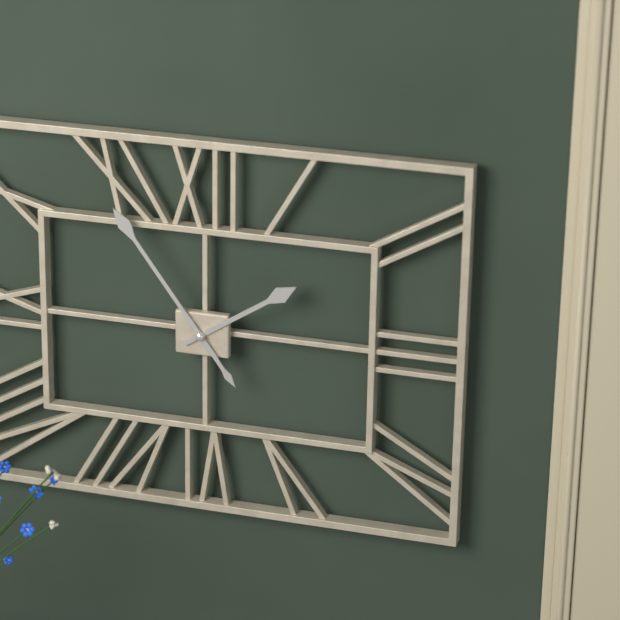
1:54
